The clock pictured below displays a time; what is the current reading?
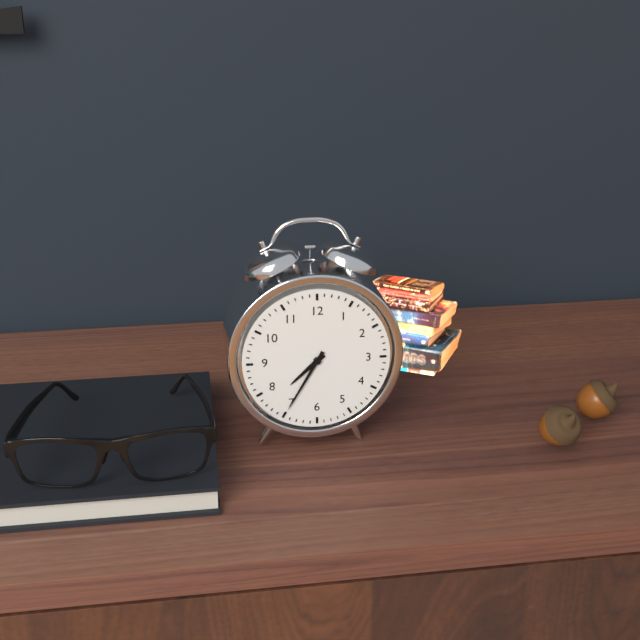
7:35
